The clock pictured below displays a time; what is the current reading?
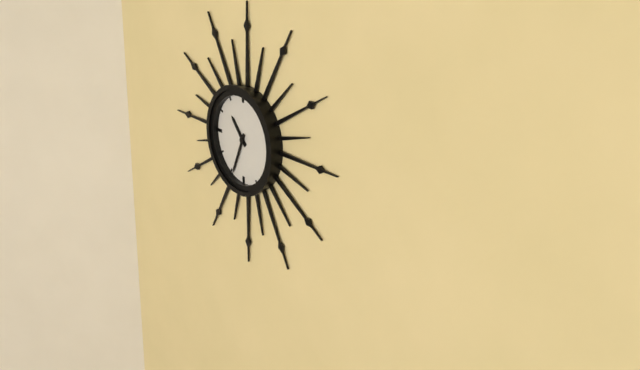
10:34
